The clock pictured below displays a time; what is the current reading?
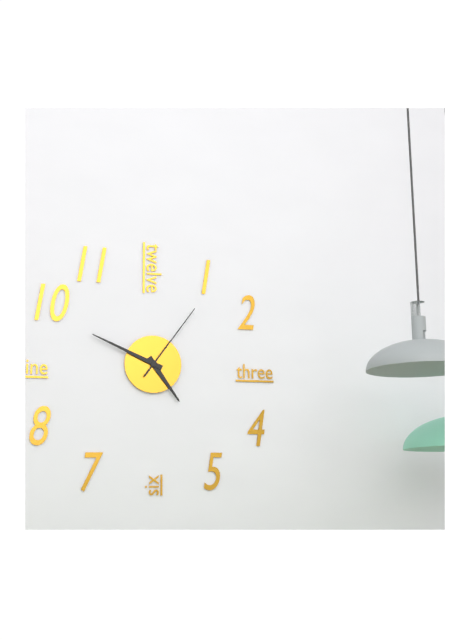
4:49:06
